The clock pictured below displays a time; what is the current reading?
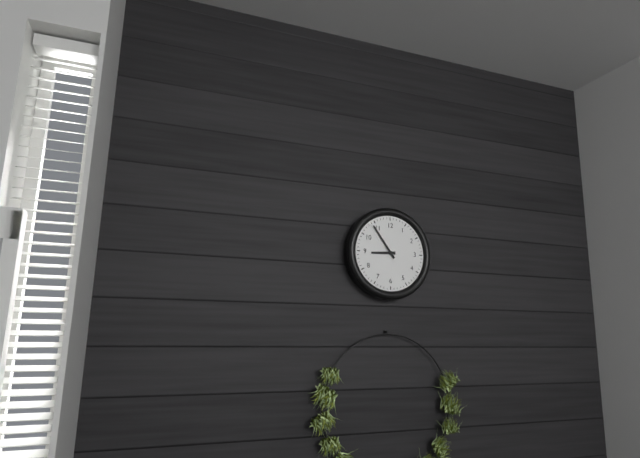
8:54
